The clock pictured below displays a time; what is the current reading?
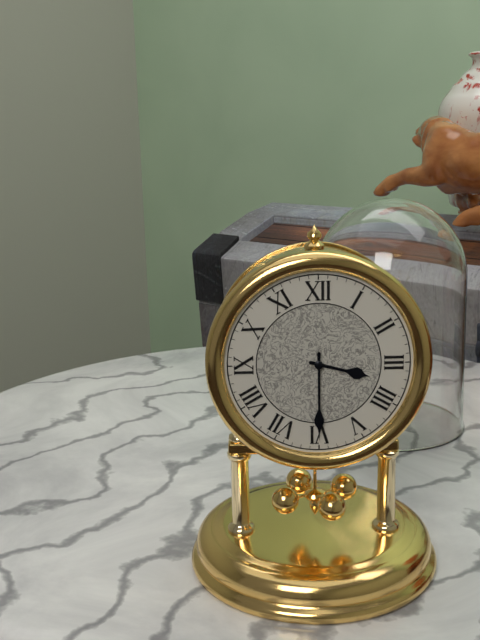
3:30
